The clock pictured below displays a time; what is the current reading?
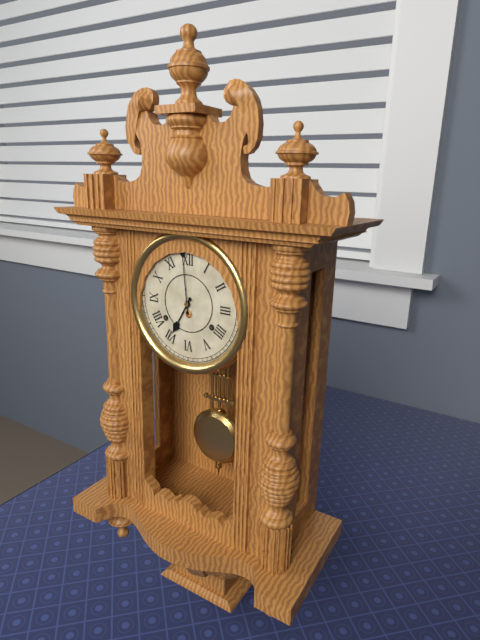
6:59
